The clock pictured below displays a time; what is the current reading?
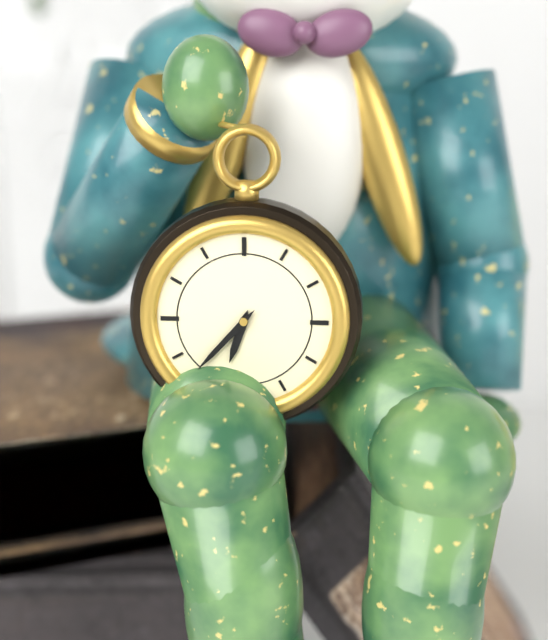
6:37
